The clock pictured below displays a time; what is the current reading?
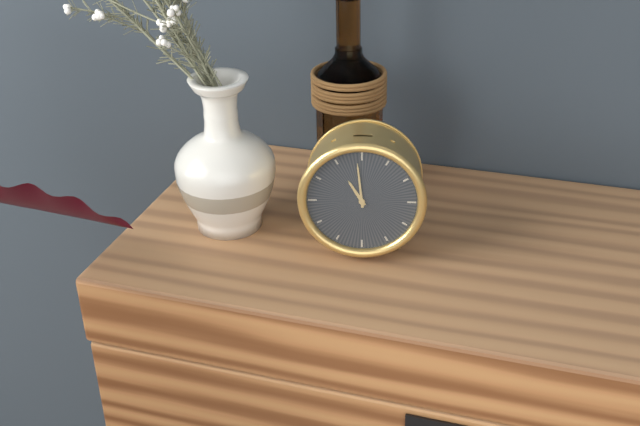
10:59
